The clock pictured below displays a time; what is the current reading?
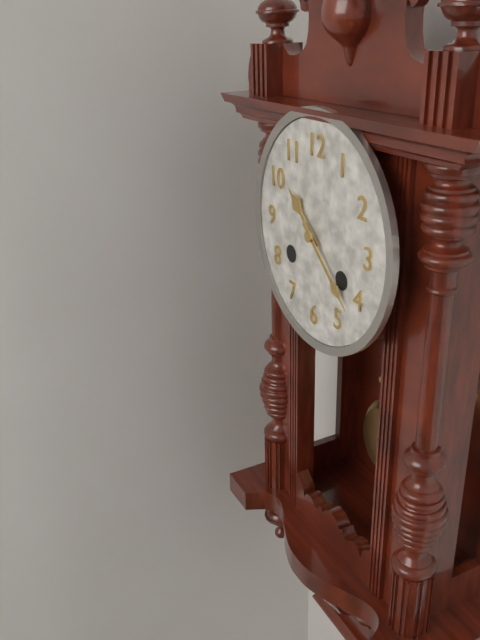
10:22
